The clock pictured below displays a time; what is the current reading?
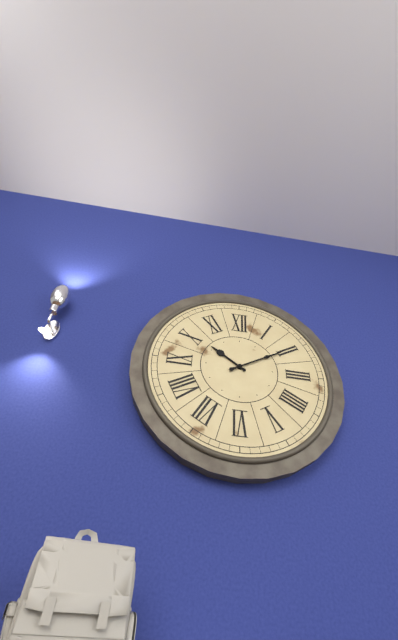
10:10
